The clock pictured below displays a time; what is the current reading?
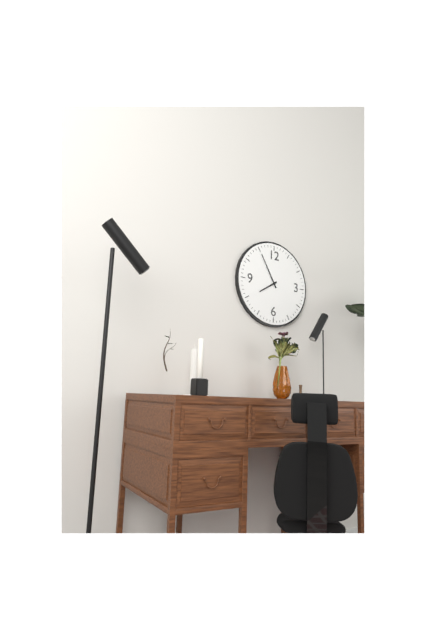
7:55
